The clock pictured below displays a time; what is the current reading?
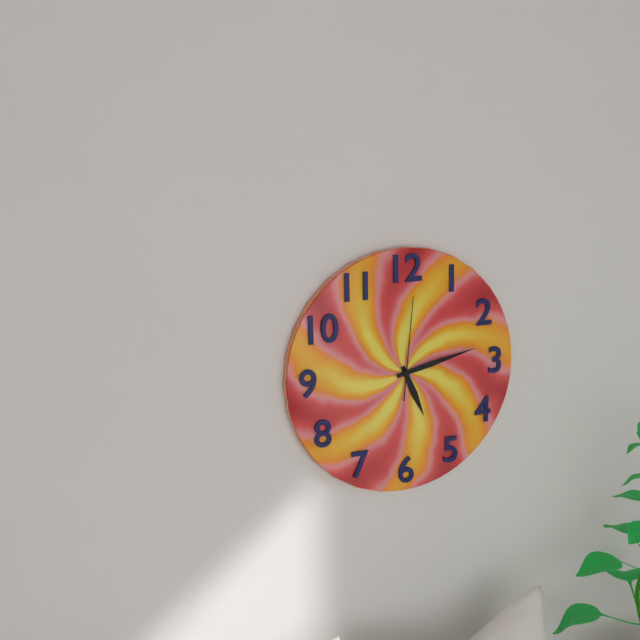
5:13:01
